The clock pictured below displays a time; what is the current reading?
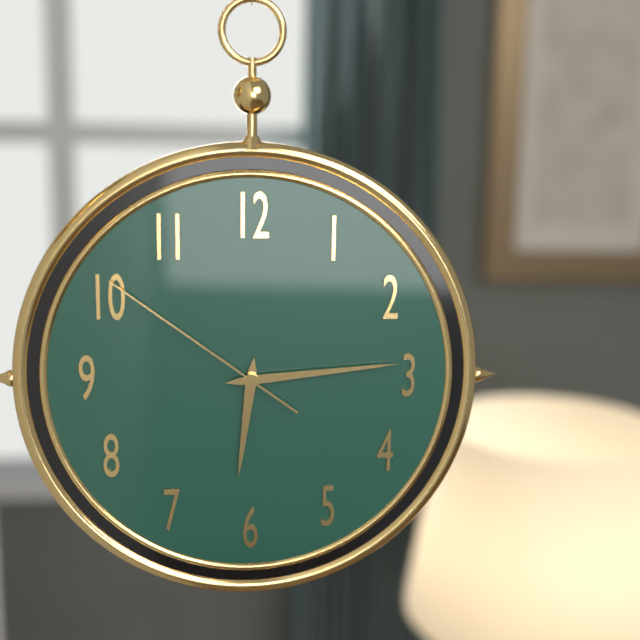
6:14:51
